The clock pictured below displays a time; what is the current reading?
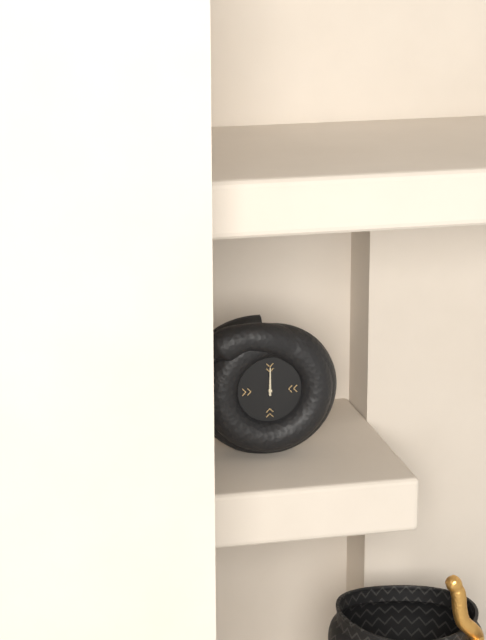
12:00
